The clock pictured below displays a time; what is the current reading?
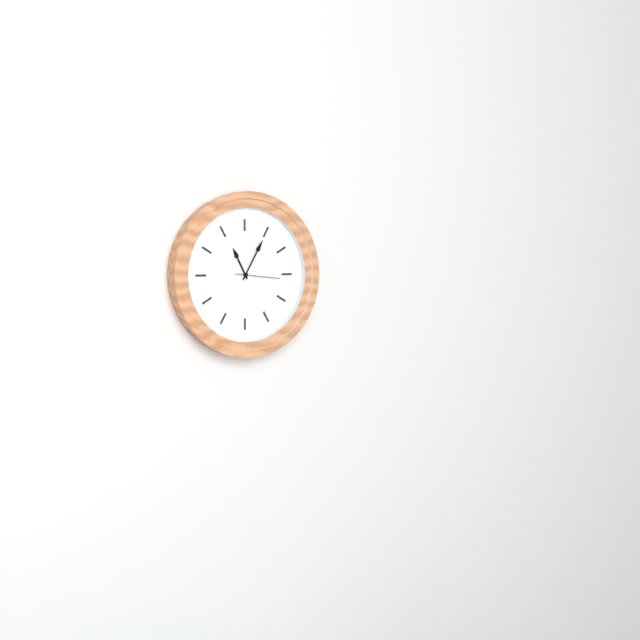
11:05
